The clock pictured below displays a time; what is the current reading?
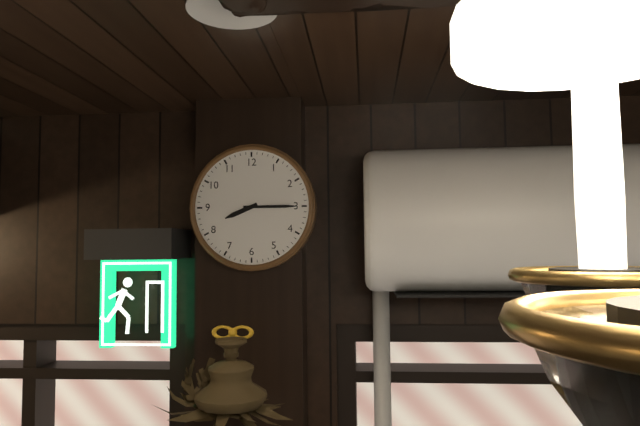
8:15
